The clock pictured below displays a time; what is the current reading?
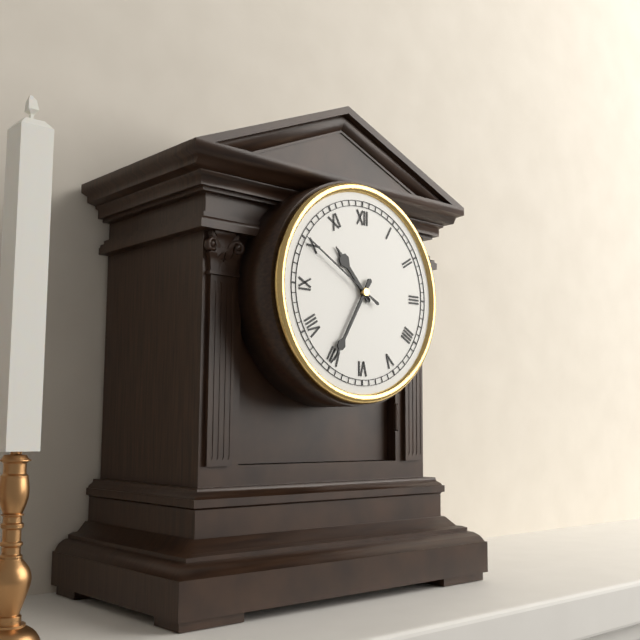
10:35:50
